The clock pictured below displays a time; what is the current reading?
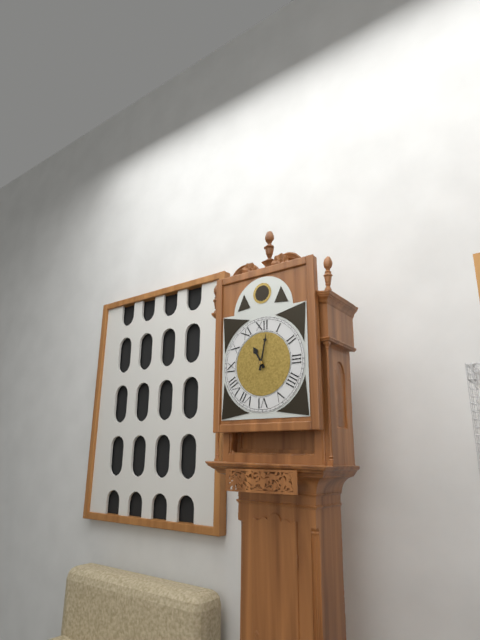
11:02
